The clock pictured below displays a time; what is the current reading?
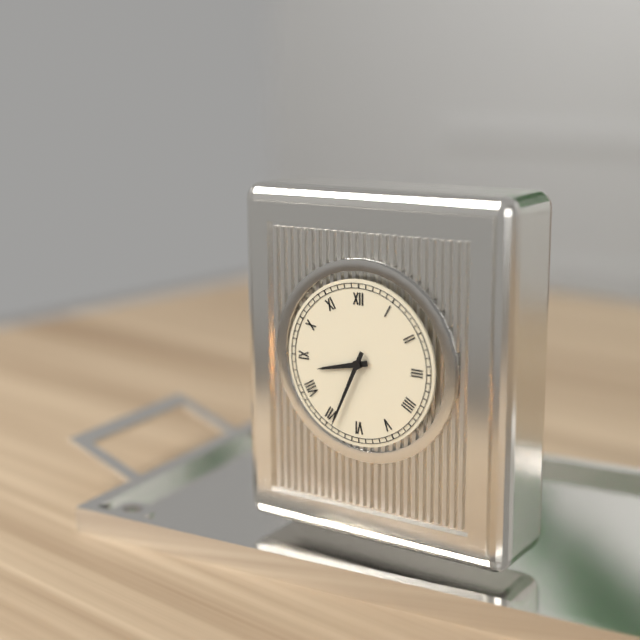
8:34
